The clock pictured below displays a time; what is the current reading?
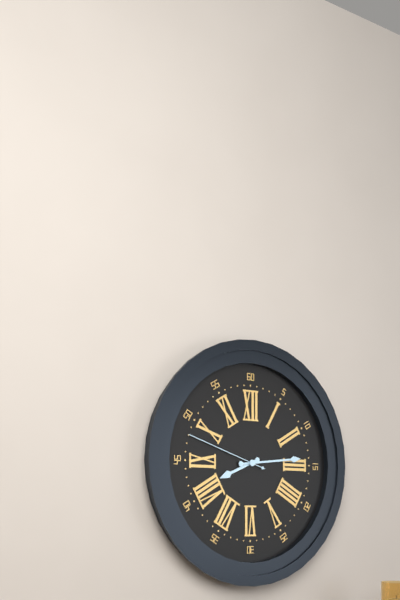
8:14:48
